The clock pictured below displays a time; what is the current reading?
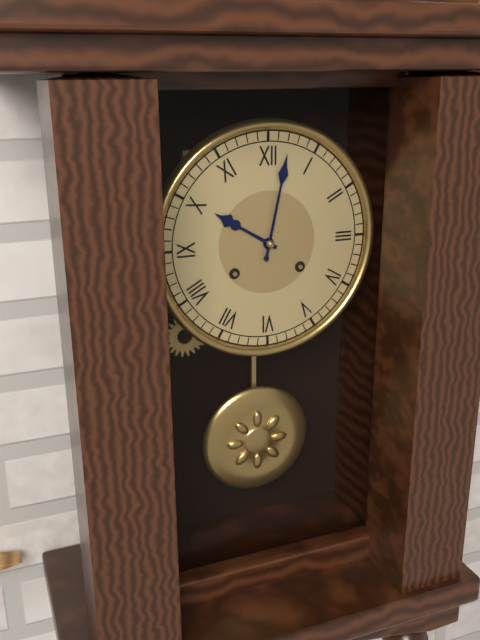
10:02
